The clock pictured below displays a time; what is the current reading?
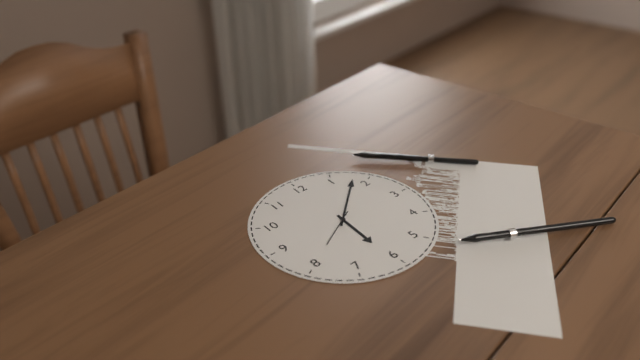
6:08
